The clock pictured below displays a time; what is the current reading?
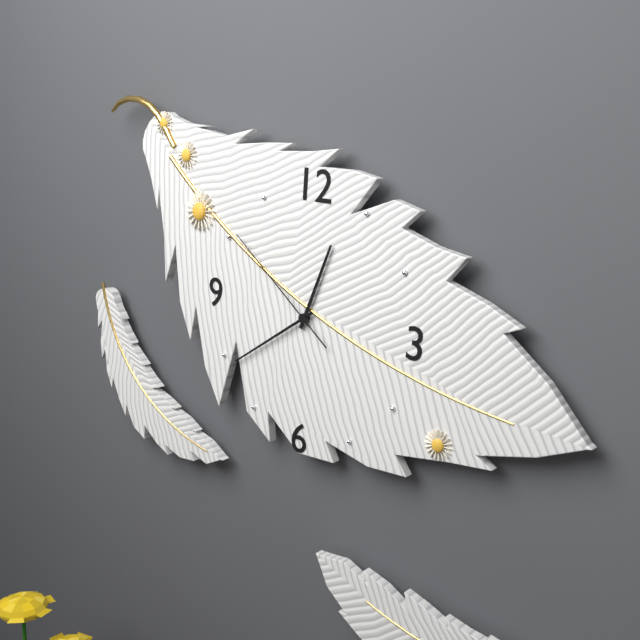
12:39:51
